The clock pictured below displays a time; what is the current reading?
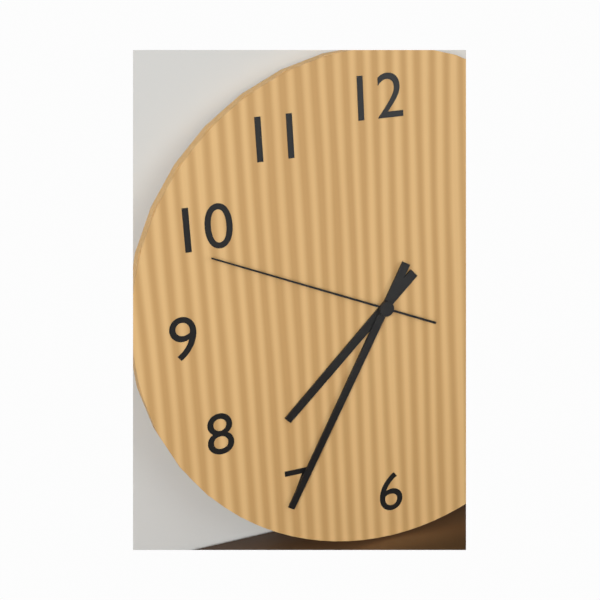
7:35:49
